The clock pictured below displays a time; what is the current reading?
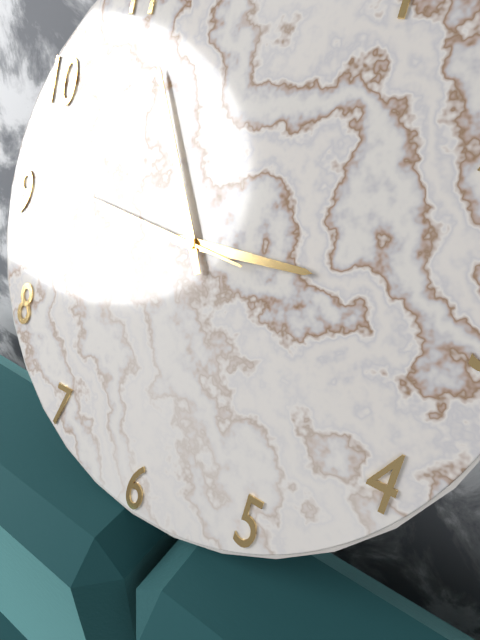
2:55:46
